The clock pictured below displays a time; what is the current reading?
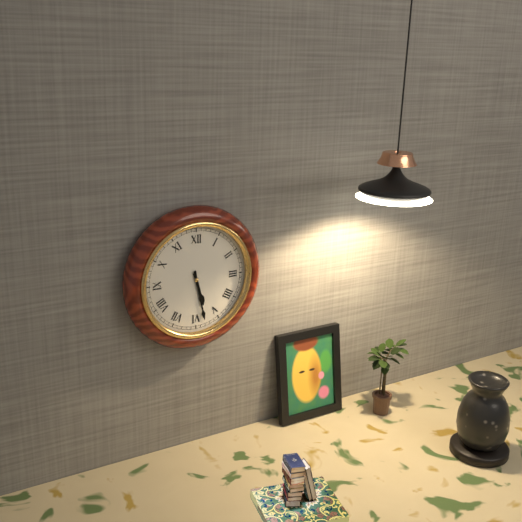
5:28
